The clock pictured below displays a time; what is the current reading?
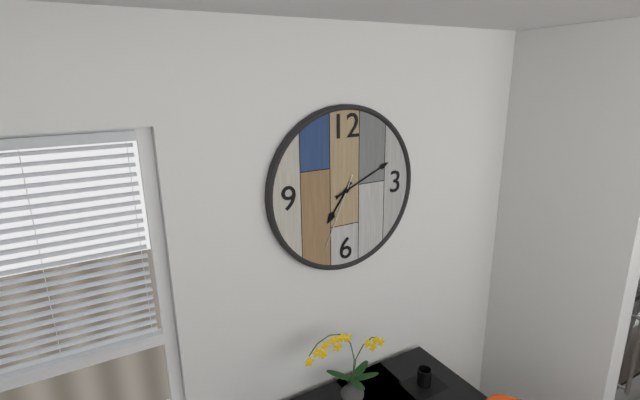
7:11:34
